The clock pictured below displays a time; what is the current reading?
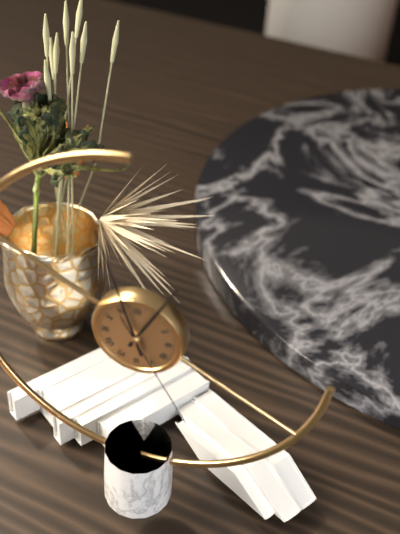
12:57:25
